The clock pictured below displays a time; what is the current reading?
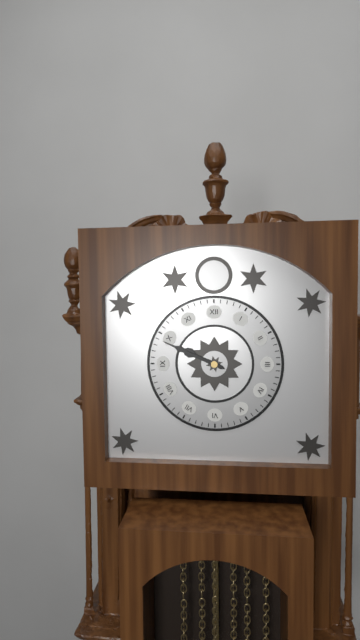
9:49
